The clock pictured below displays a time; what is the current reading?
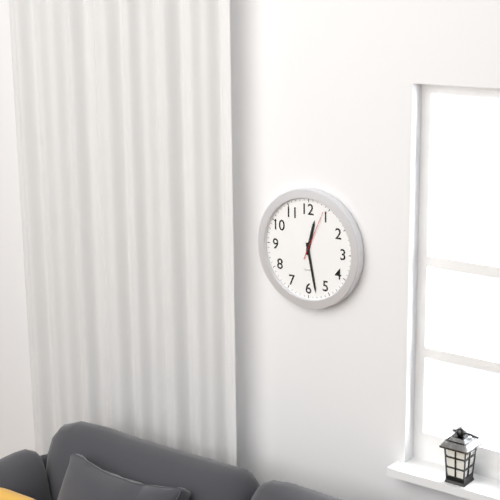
12:28:04
